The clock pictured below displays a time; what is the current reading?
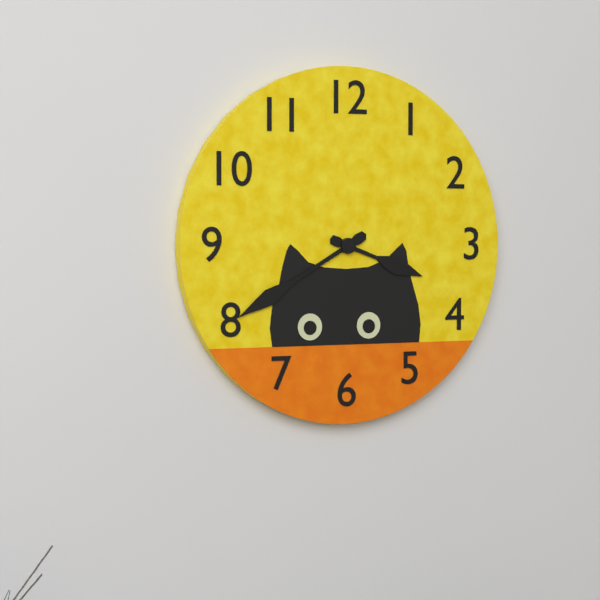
3:40
